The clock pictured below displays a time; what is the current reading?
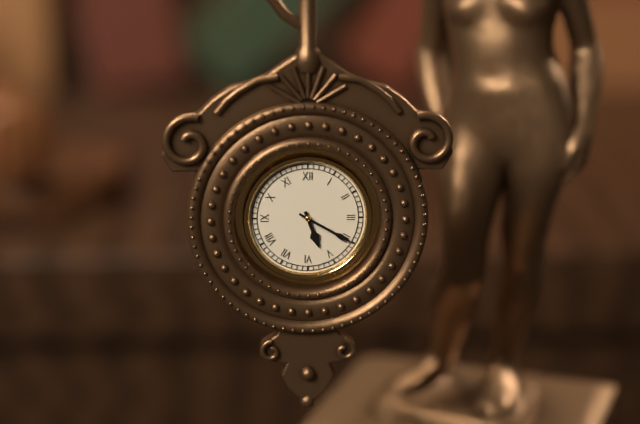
5:20
